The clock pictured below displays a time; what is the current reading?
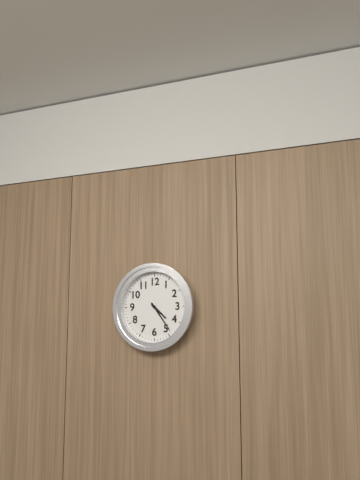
4:24
